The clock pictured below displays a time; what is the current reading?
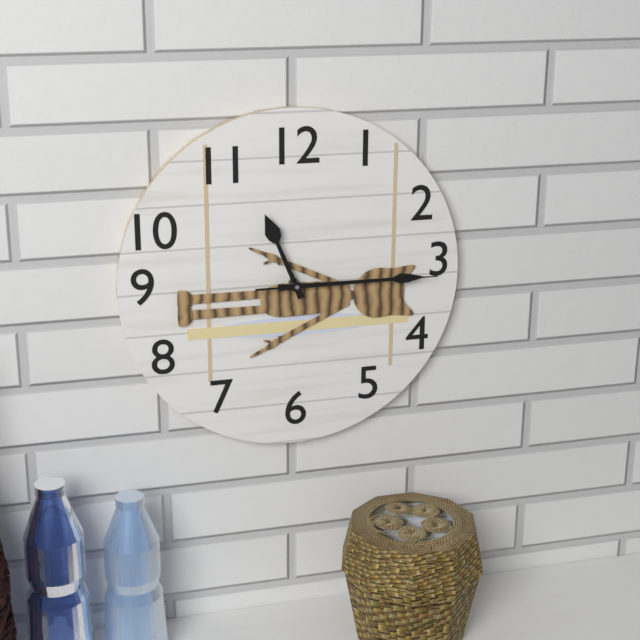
11:15:15
